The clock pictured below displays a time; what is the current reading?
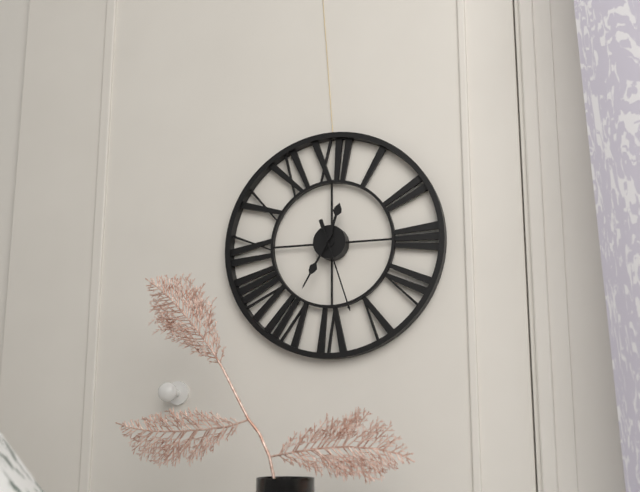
12:35:27
